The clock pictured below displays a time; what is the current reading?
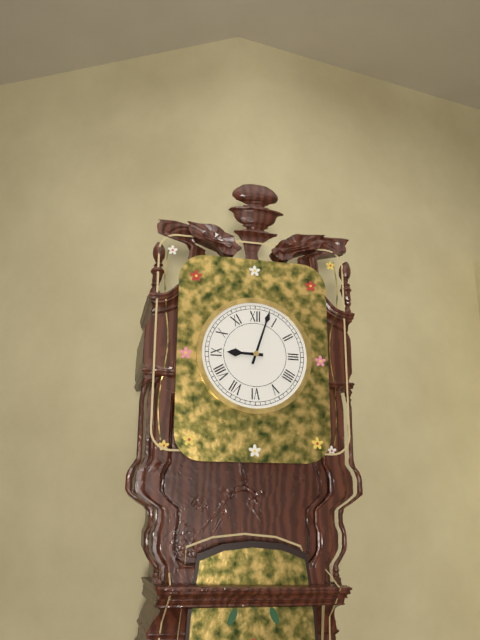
9:03
